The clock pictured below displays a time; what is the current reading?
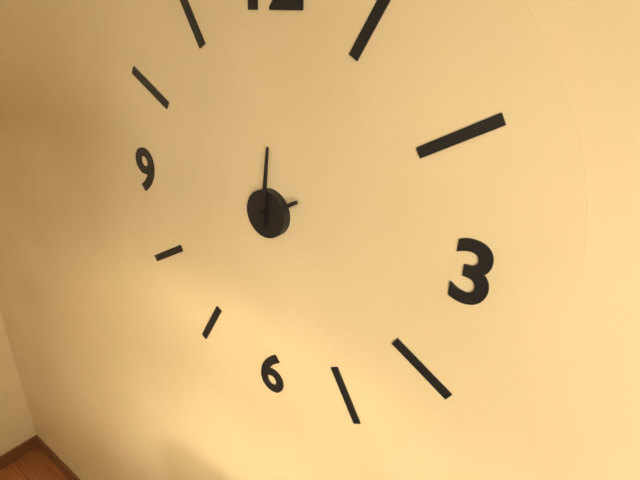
2:01
